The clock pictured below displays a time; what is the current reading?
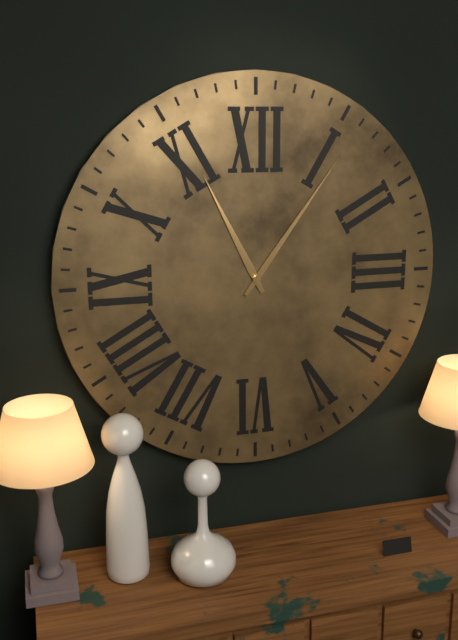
11:06
